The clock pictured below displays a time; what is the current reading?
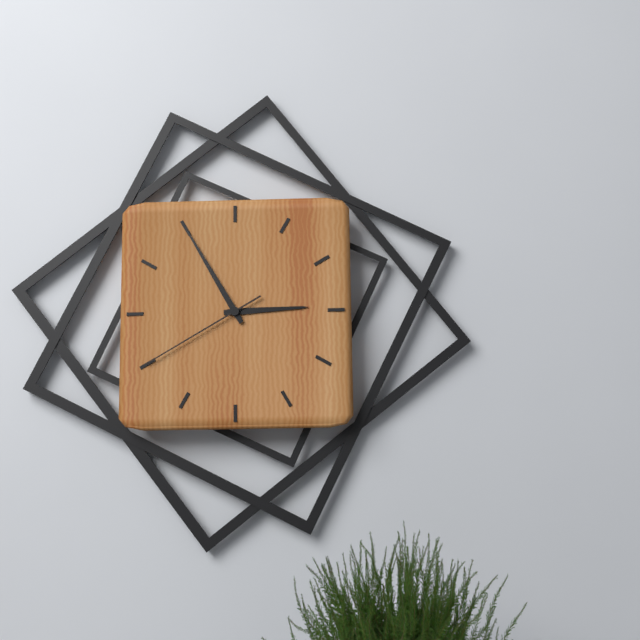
2:55:40
